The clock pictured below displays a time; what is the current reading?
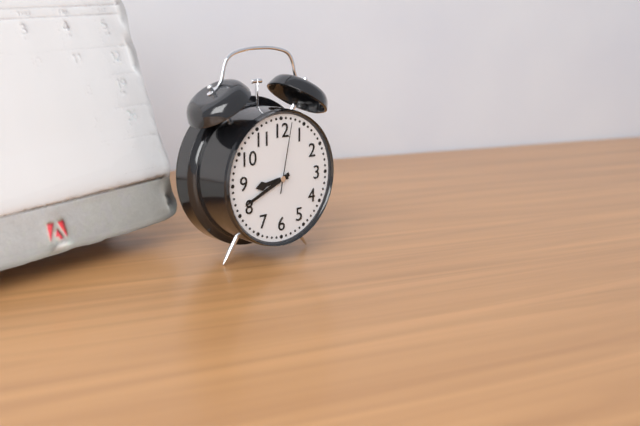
8:41:02
